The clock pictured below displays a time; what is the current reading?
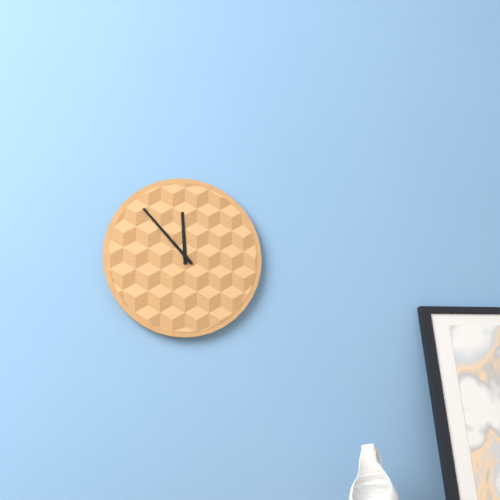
11:53
